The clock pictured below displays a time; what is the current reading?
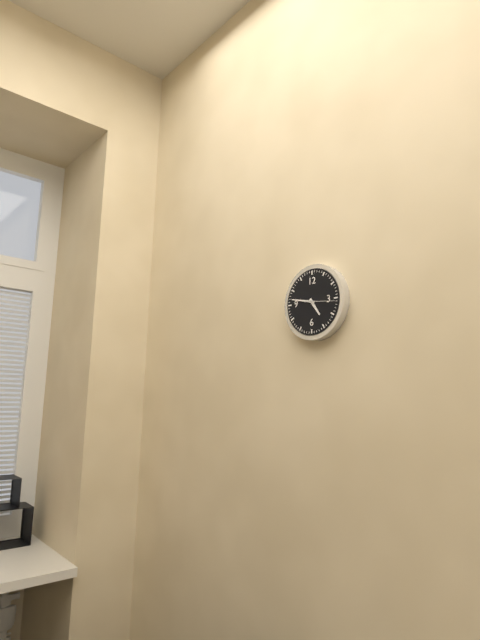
4:47
